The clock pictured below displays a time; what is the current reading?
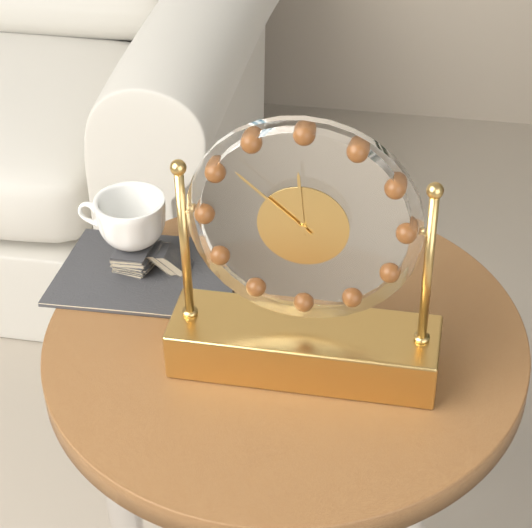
11:52
